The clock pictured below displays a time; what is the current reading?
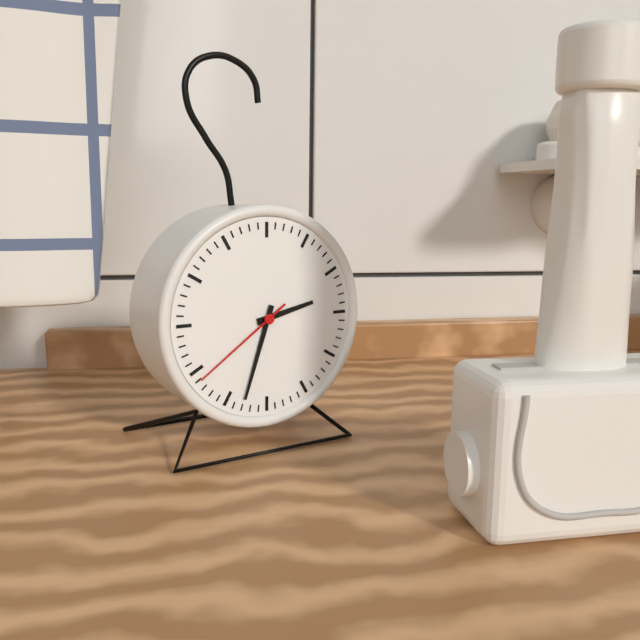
2:33:39
